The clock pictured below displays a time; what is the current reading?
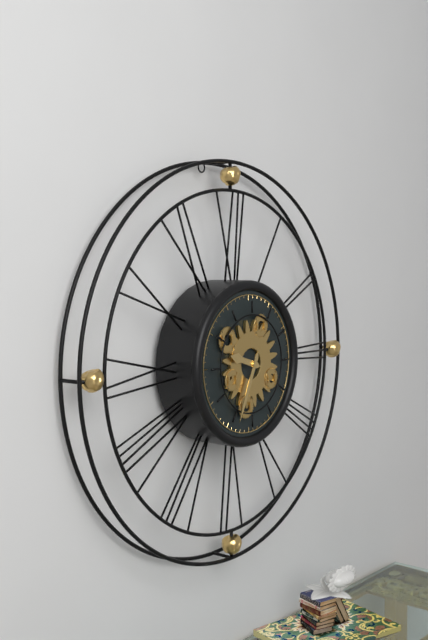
9:34
